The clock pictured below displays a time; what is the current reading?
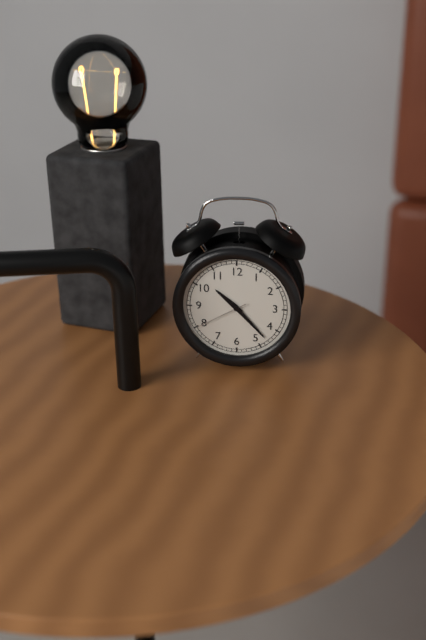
10:23:40
